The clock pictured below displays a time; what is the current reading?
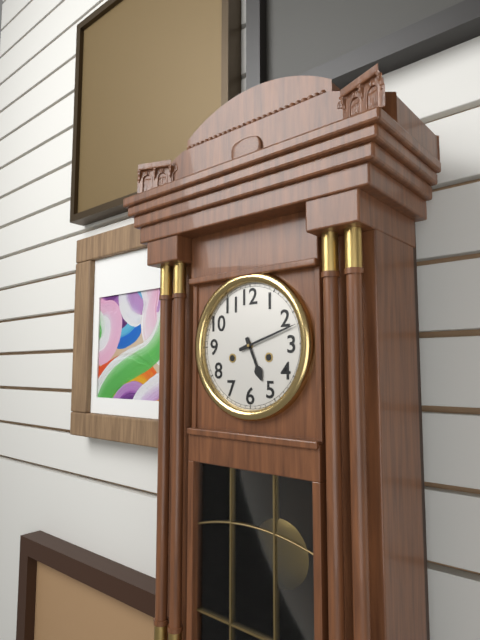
5:12
